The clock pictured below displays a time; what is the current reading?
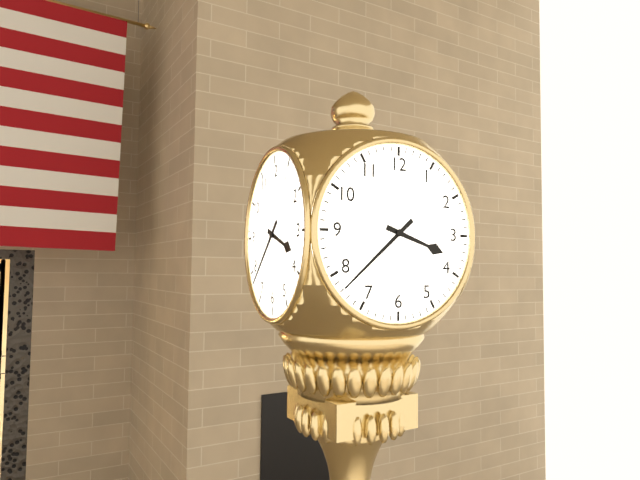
3:38
